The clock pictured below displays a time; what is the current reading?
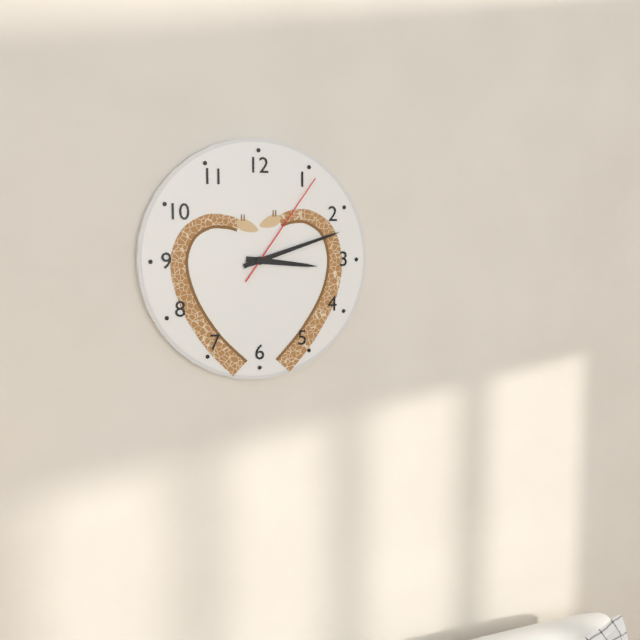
3:12:06
